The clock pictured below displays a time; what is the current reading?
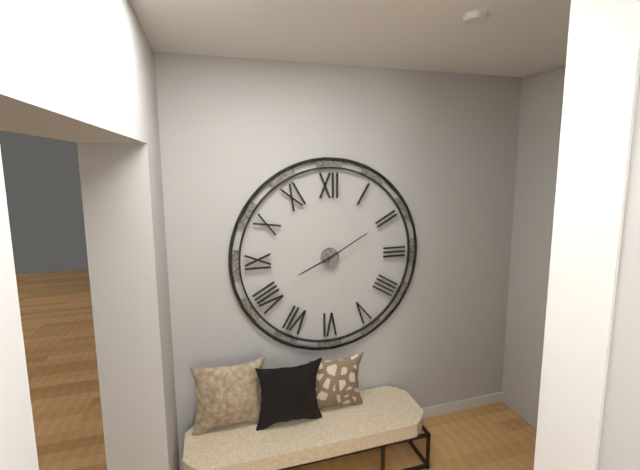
8:10
